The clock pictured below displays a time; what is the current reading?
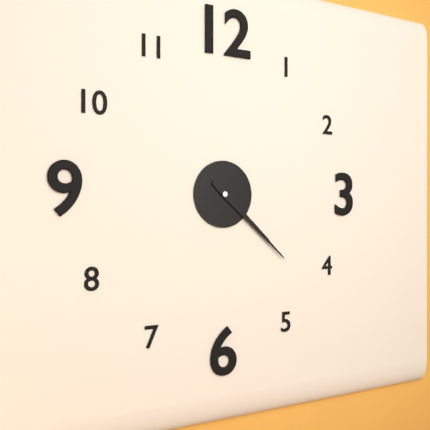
4:22
